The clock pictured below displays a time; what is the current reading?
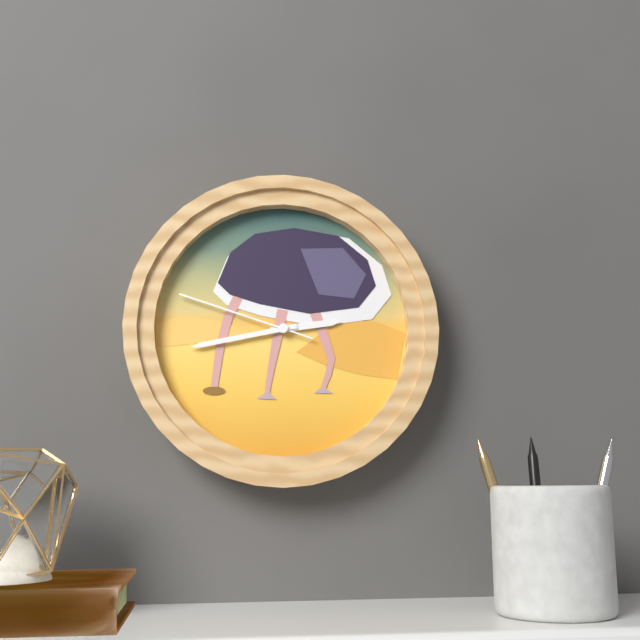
2:43:48
